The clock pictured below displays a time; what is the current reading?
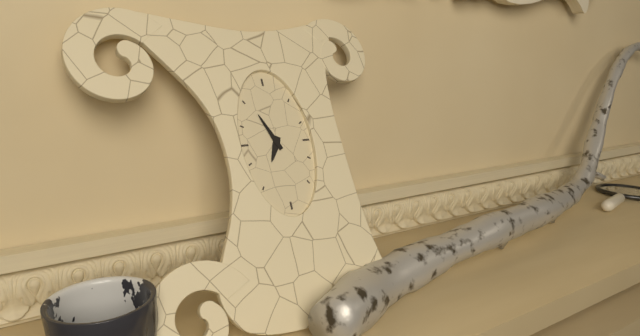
6:56
